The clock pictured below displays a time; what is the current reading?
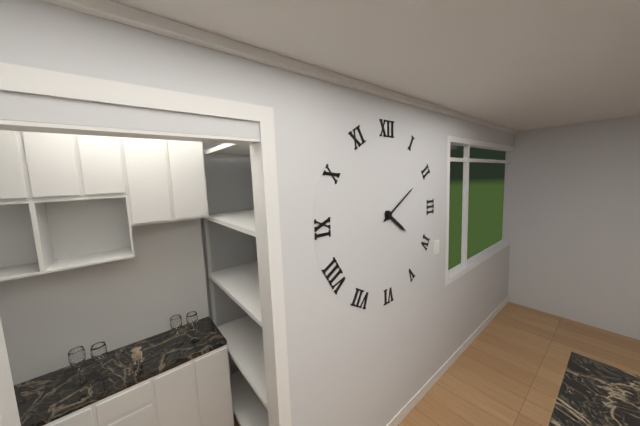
4:10
